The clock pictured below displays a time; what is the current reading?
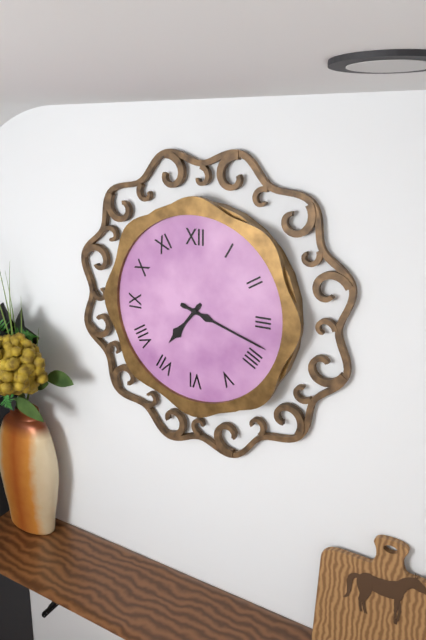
7:18
